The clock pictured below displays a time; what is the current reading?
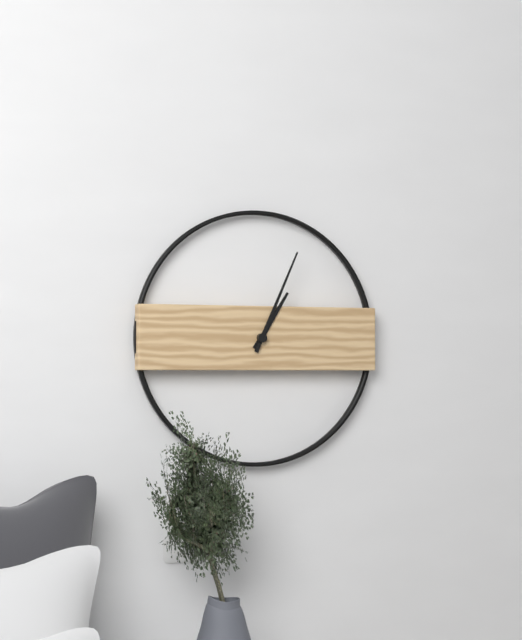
1:04
